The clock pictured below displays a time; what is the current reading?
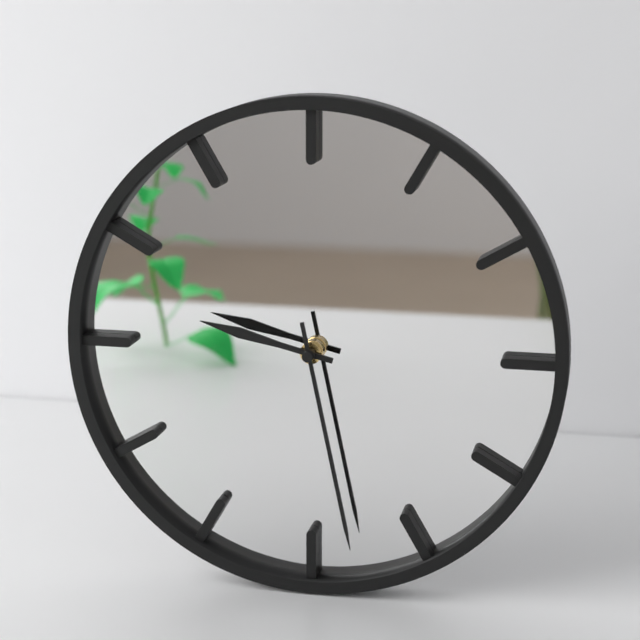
9:28
